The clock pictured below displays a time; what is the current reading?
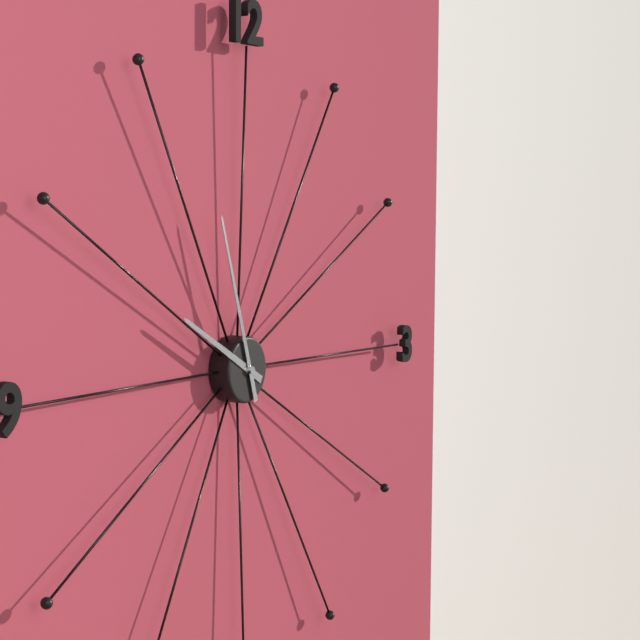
9:57
